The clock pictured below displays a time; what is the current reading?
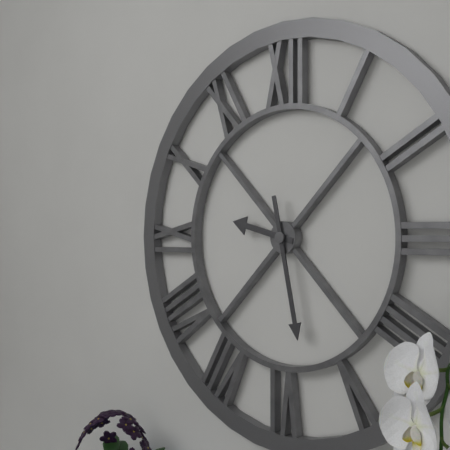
9:28
